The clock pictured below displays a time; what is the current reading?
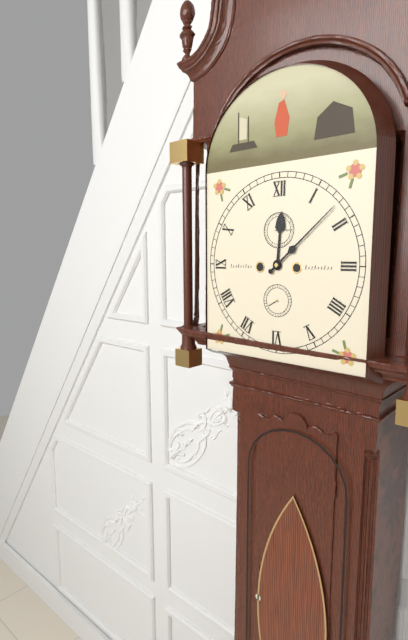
12:08
